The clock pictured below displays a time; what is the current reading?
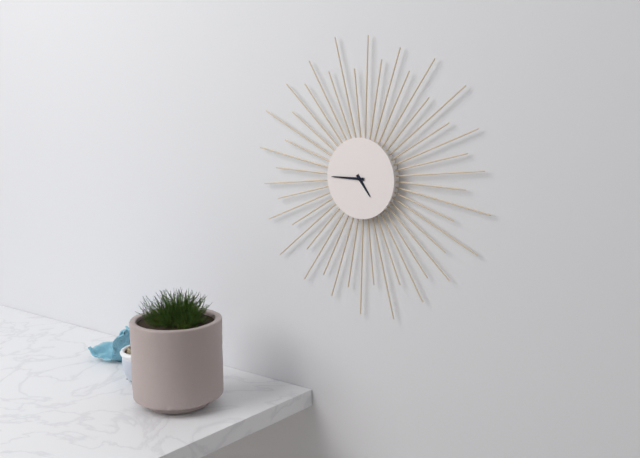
4:45
